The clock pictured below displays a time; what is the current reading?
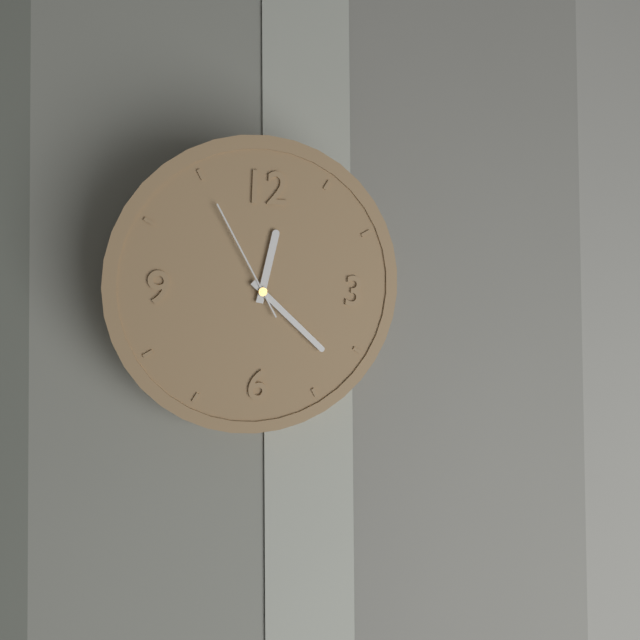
12:22:55
